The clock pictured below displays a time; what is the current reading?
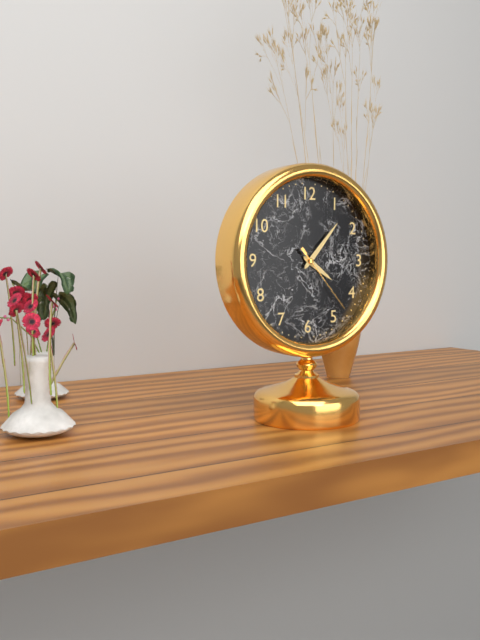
4:07:23
